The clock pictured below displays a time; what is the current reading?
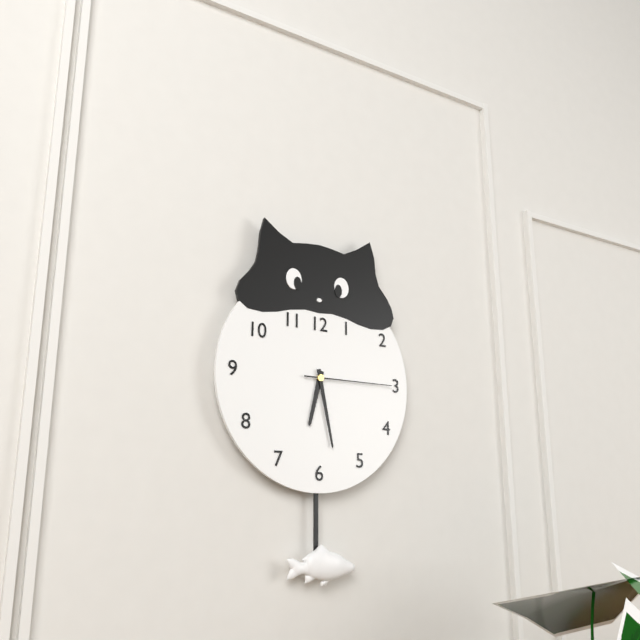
6:28:15
